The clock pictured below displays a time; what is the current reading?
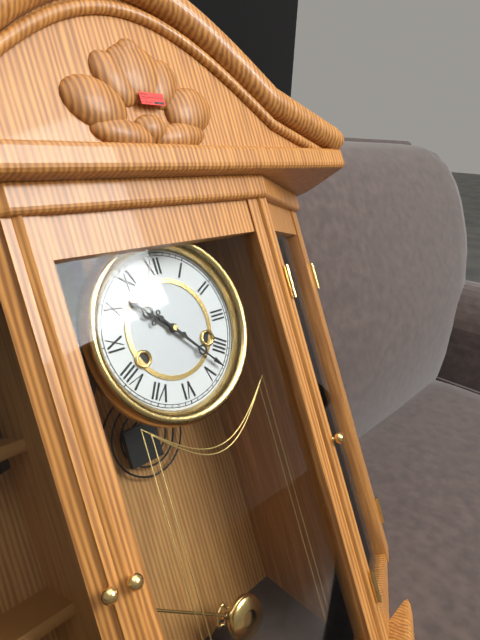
10:23
